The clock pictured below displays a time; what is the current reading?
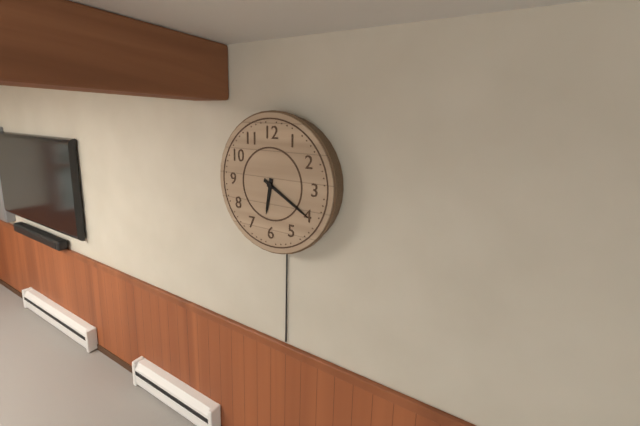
6:20
